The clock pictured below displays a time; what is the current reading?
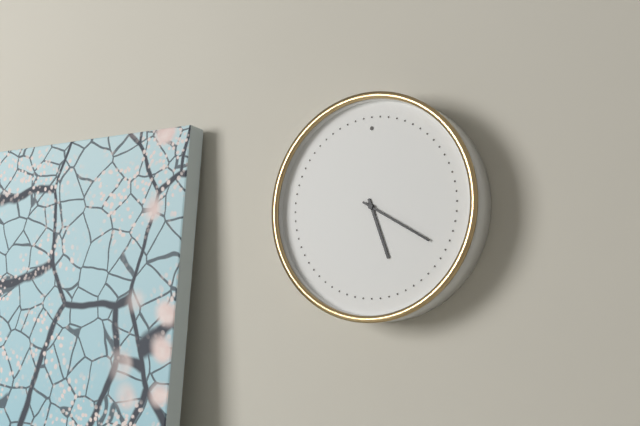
5:20
